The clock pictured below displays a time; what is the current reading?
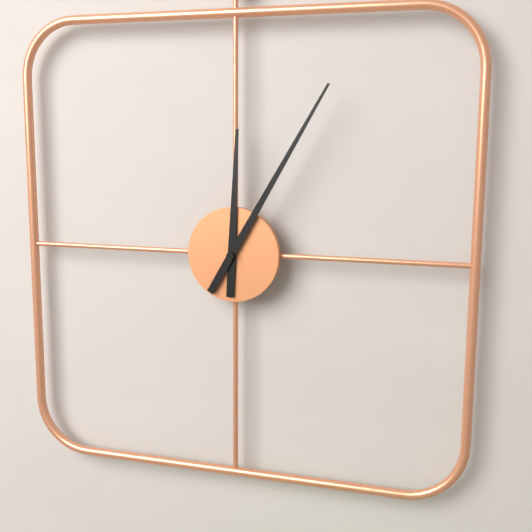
12:05
